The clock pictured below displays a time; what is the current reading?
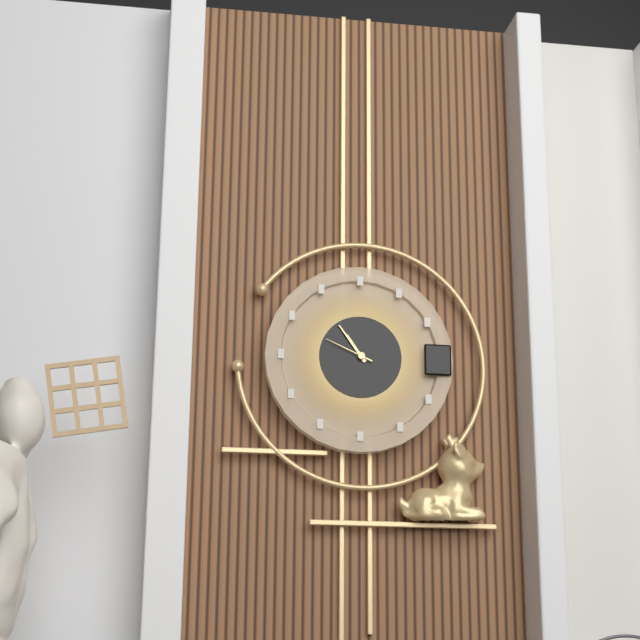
10:54
